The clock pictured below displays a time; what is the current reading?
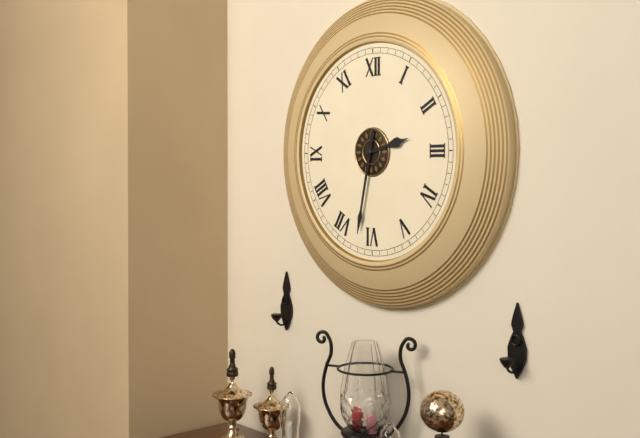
2:32
